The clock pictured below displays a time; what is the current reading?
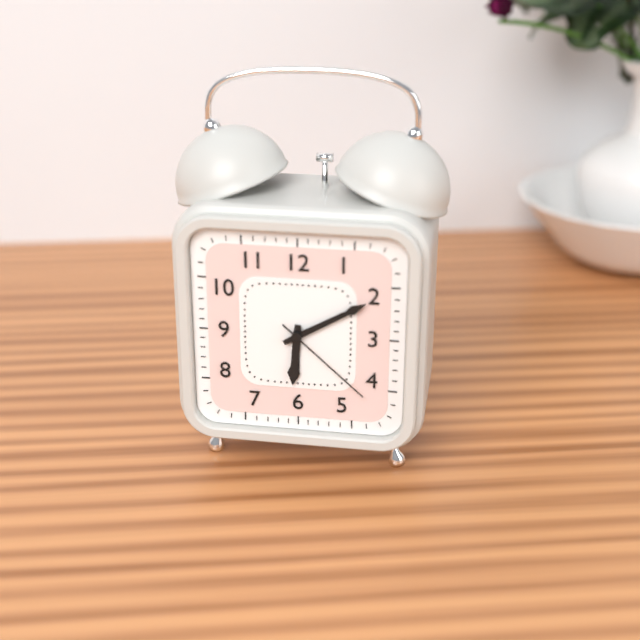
6:10:22
